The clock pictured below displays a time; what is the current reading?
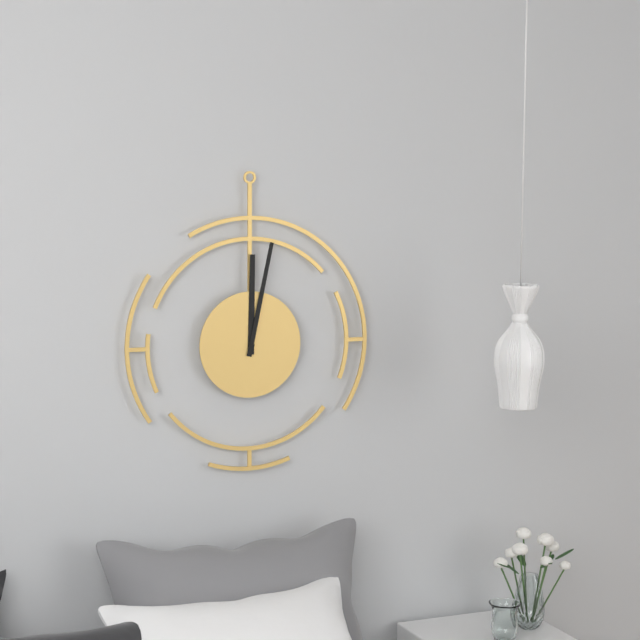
12:02
